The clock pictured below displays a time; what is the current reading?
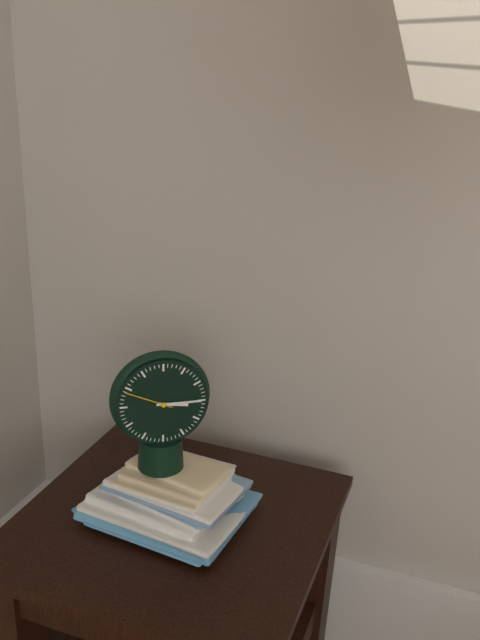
3:15
